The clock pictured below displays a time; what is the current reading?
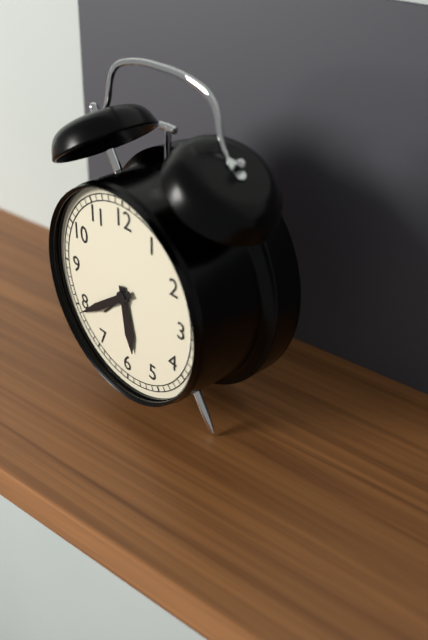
5:39
